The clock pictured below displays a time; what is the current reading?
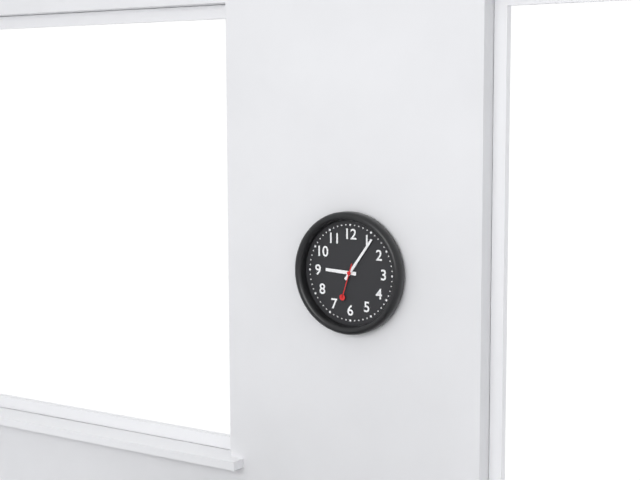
9:06
